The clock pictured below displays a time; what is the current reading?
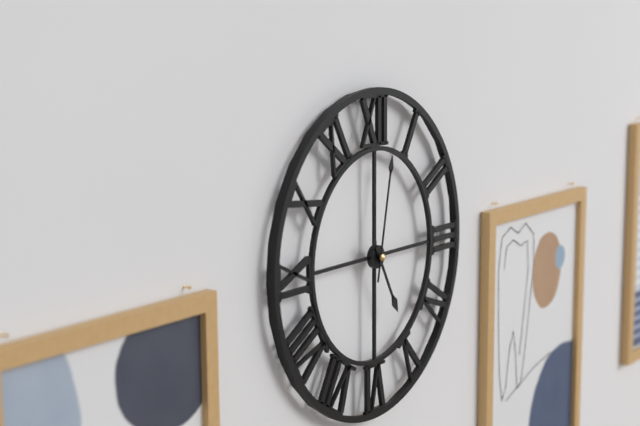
5:02
